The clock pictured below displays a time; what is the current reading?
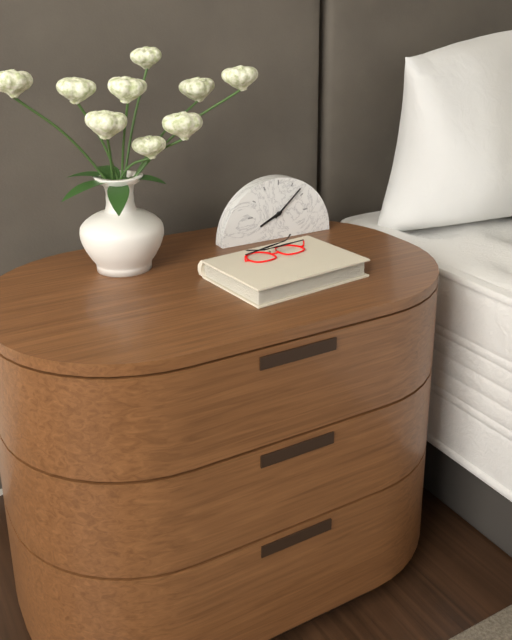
8:08
